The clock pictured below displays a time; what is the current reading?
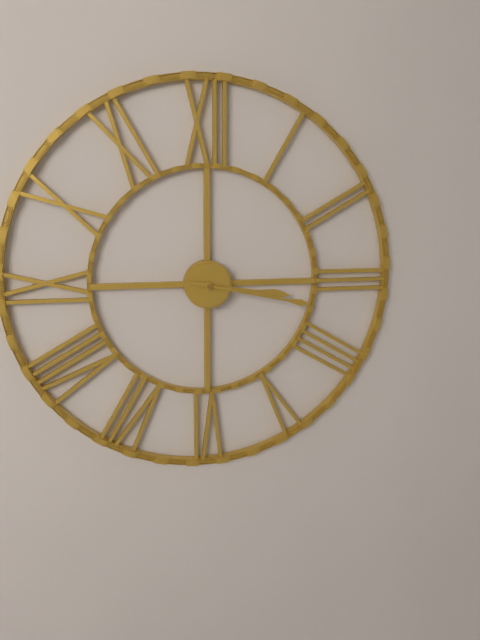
3:17
